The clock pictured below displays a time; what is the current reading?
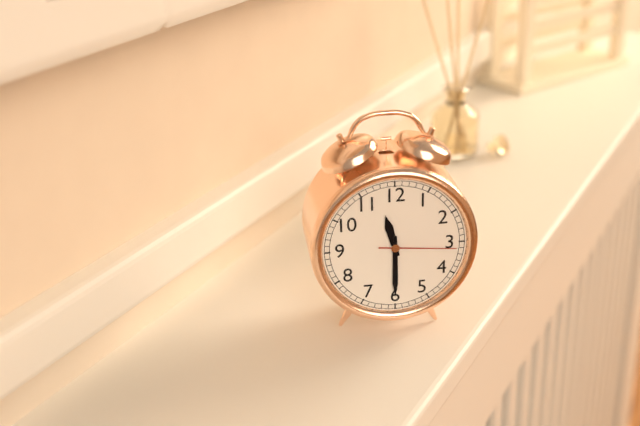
11:30:16
